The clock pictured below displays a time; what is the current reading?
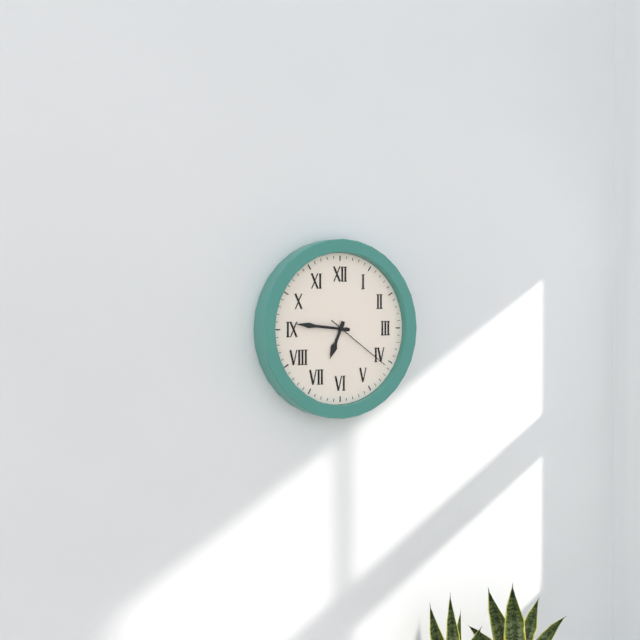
6:46:21
